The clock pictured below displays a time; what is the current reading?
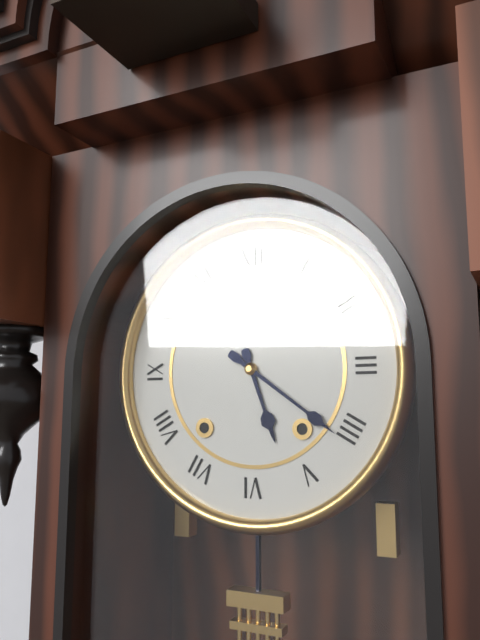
5:21
